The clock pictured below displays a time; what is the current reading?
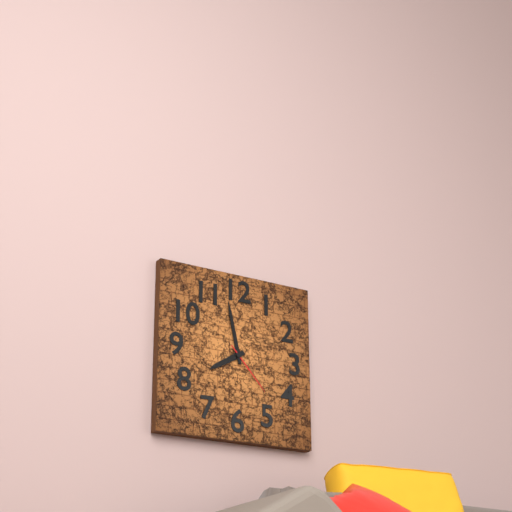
7:58:23
